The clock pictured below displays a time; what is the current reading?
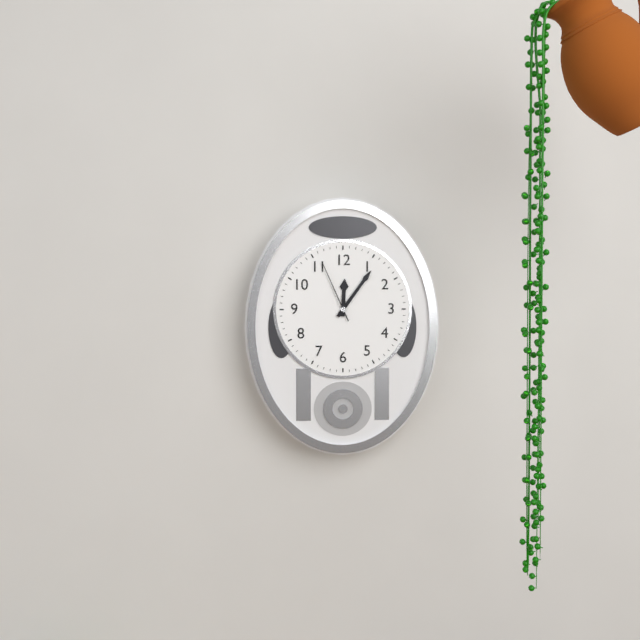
12:06:56
